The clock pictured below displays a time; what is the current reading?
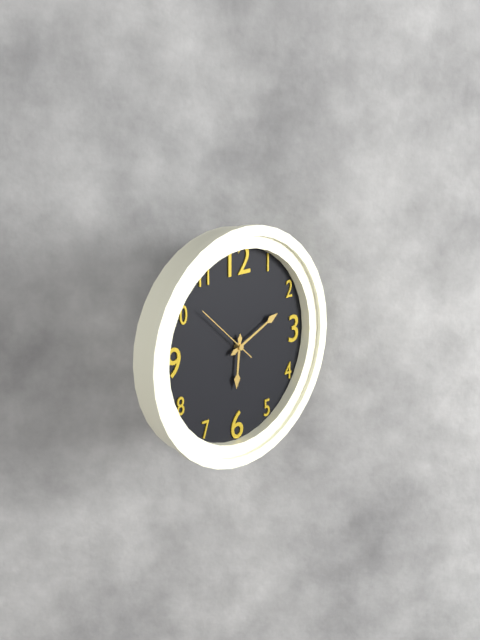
6:11:52
